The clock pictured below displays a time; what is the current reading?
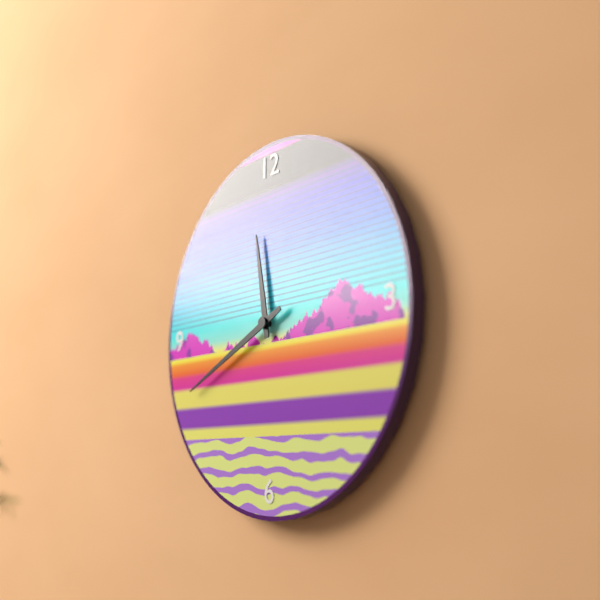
11:41
